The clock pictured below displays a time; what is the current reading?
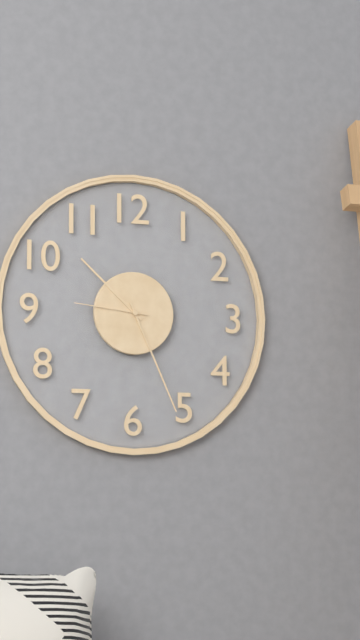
10:26:46
